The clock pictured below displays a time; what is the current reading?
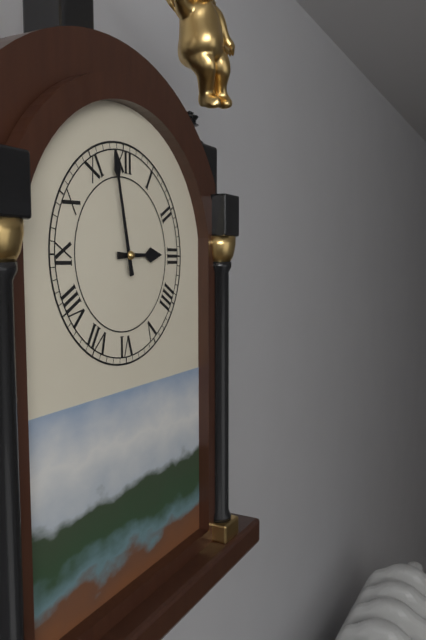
2:58
